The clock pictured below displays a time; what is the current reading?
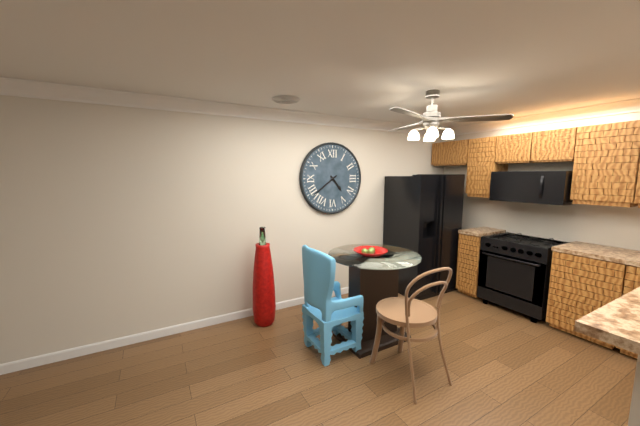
4:39
